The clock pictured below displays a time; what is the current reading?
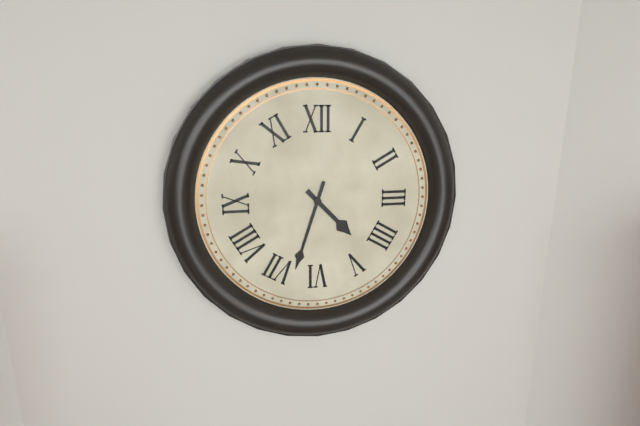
4:33
